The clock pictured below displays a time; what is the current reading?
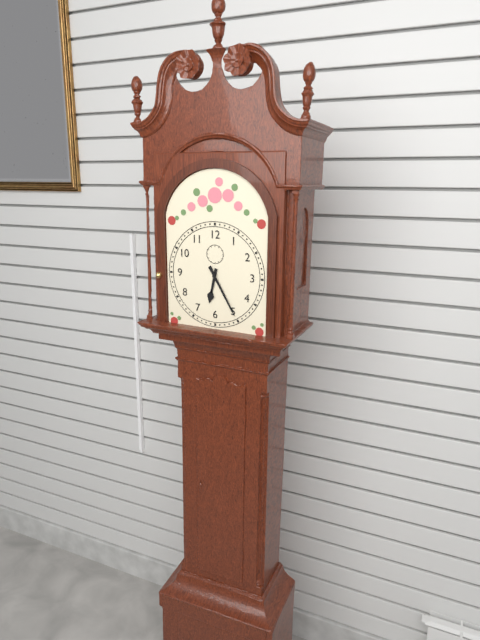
6:25
